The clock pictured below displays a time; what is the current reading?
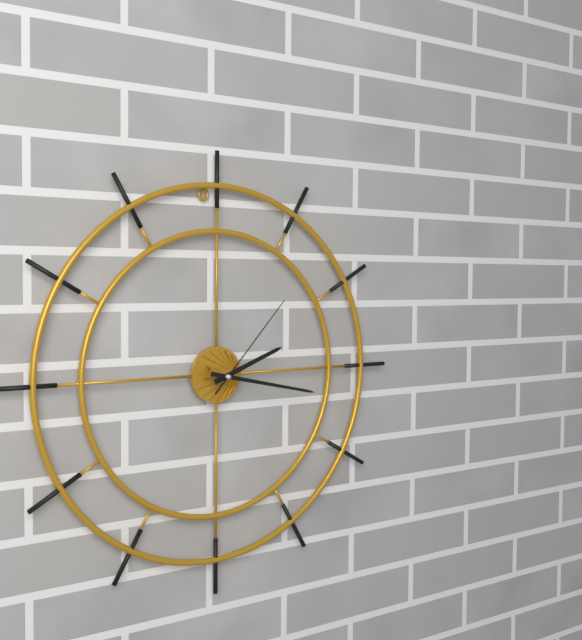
2:17:07
